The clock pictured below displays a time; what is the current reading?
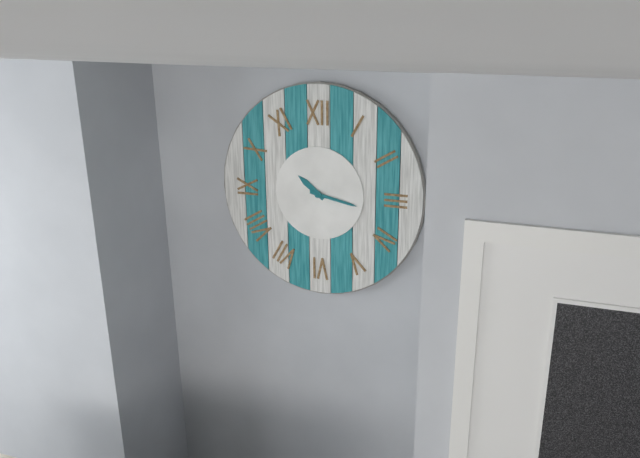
10:17
